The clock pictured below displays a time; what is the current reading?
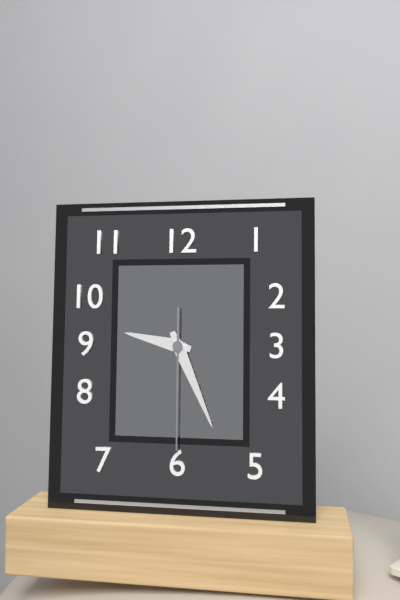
9:26:30
